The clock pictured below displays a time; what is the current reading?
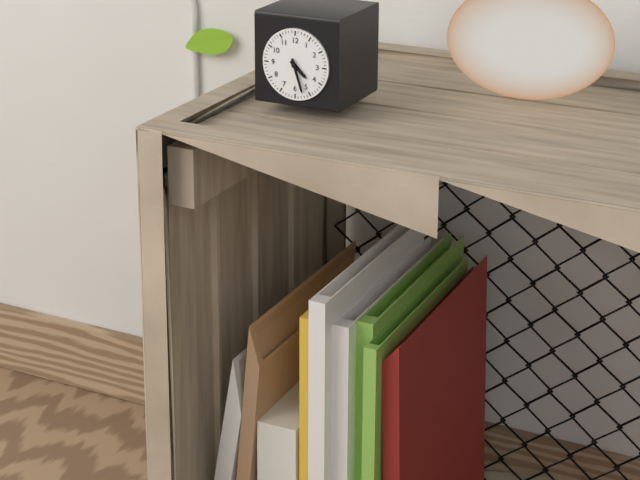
4:27
